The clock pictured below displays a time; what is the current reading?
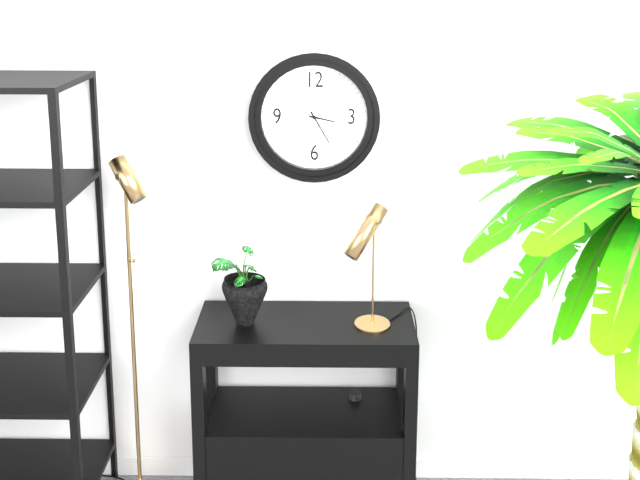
3:25
